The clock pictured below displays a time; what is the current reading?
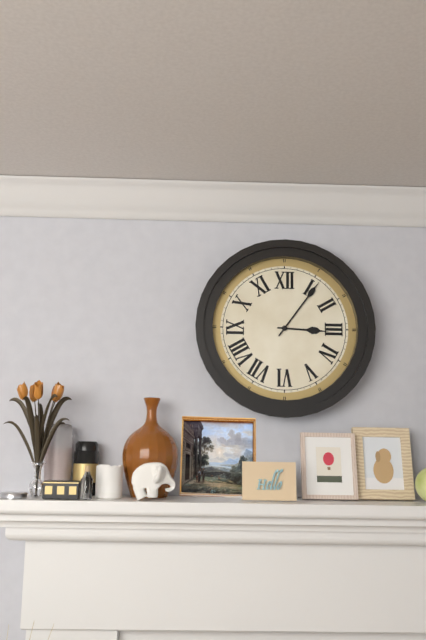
3:06
